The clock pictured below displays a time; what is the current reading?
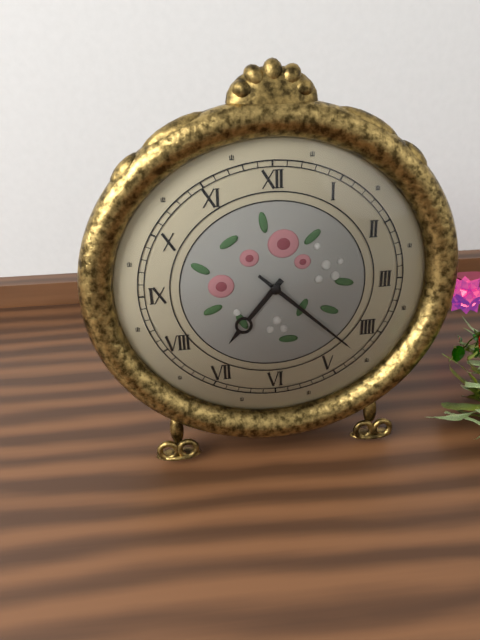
7:22
